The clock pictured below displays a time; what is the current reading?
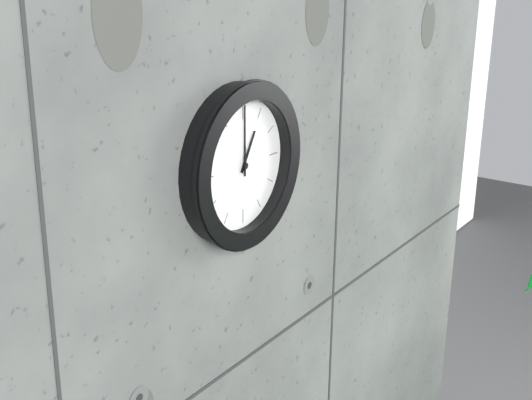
1:00
